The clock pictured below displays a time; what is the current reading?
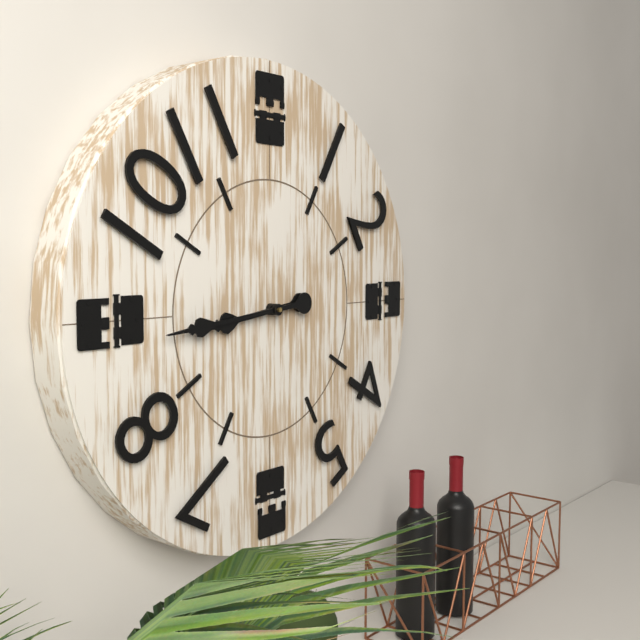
8:44
